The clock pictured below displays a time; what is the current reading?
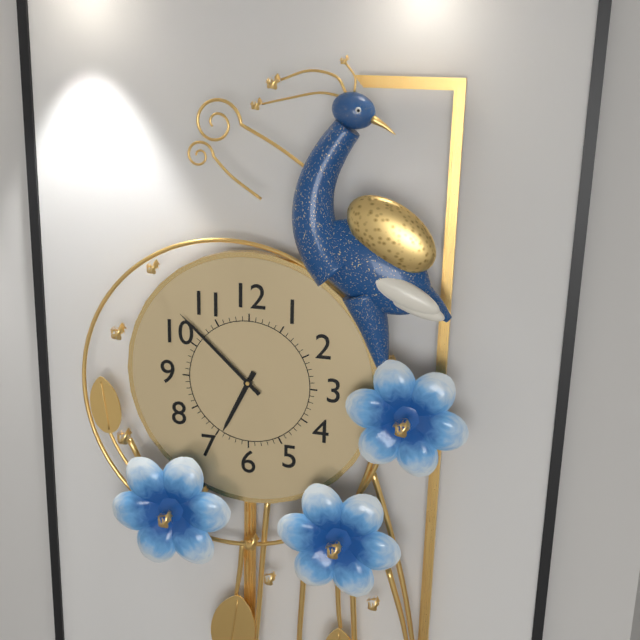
6:52
